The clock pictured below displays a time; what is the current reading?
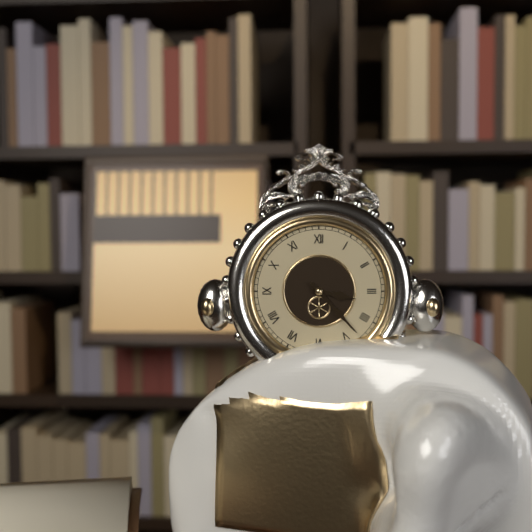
3:23
